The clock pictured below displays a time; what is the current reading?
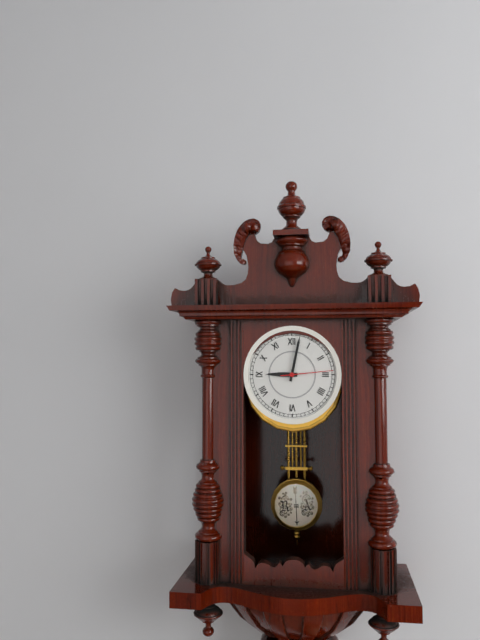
9:02:14
